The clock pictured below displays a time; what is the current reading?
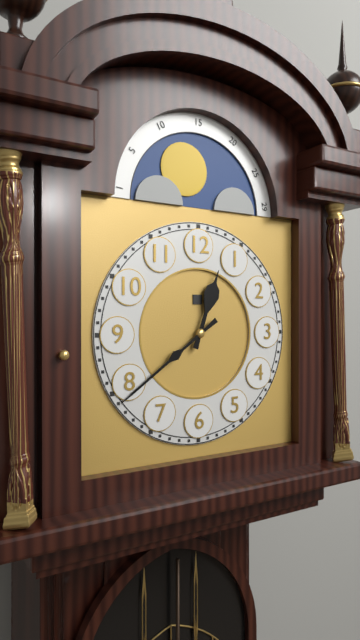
12:39
